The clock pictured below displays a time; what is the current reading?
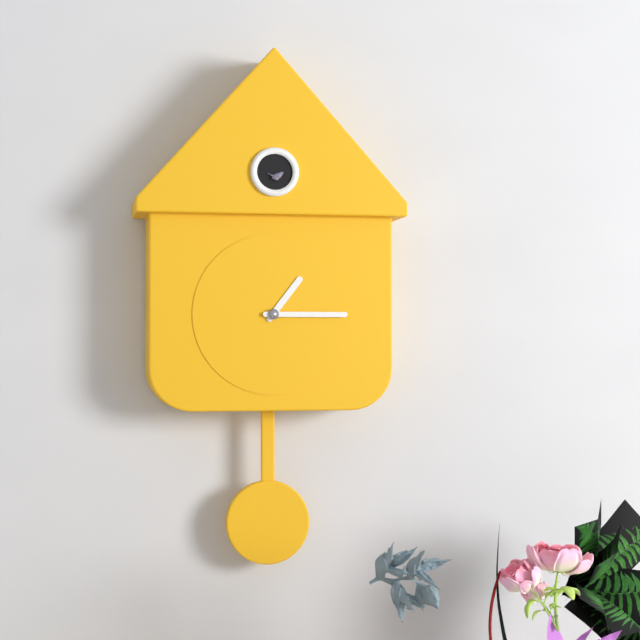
1:15
